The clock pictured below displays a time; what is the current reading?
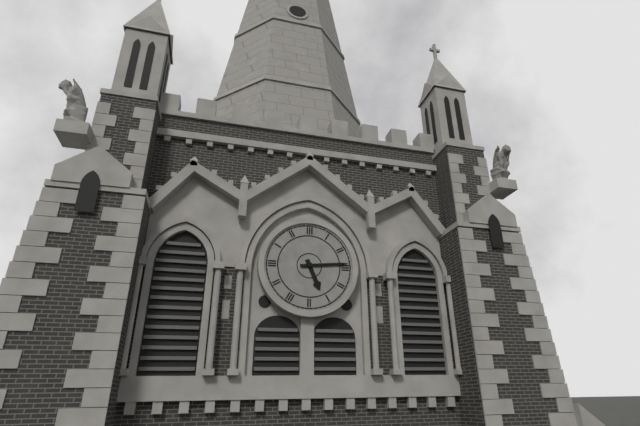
5:14
